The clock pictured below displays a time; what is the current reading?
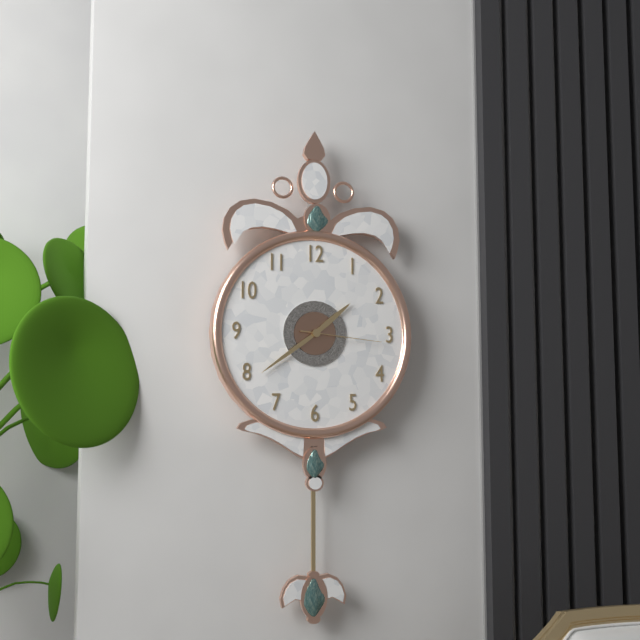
1:39:16
